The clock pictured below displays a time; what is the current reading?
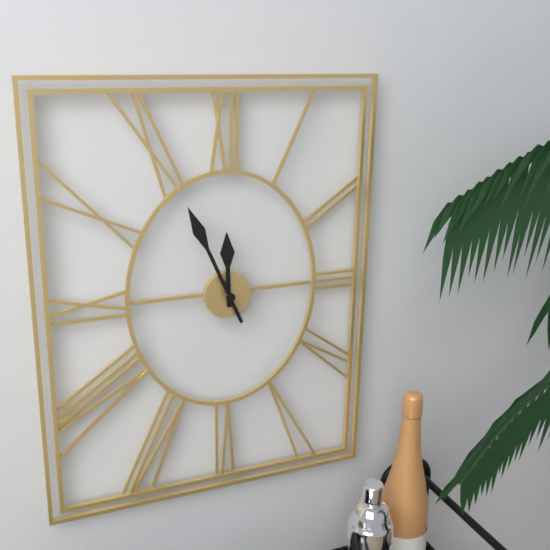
11:56
